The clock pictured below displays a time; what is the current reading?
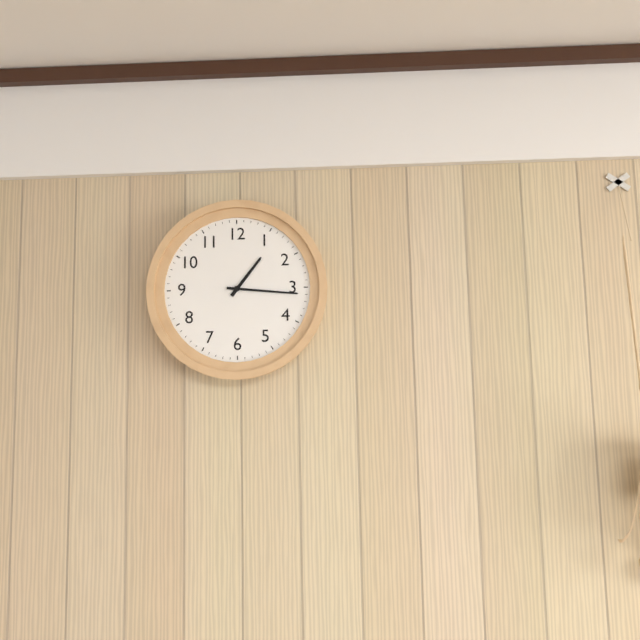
1:16
